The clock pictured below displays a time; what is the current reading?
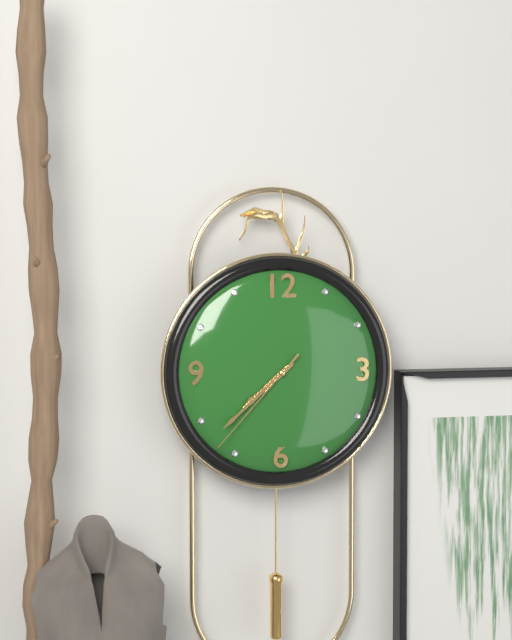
7:38:37
